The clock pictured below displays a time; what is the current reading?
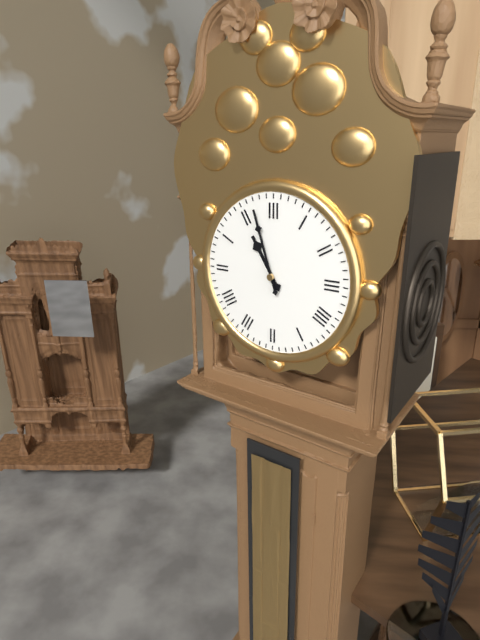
10:57
